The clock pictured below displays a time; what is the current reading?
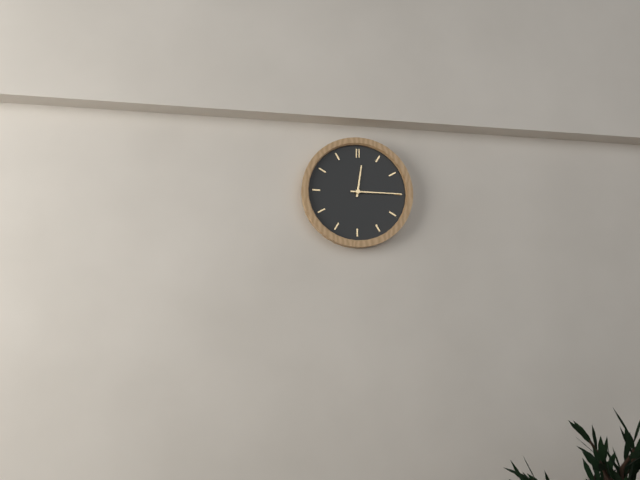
12:15
